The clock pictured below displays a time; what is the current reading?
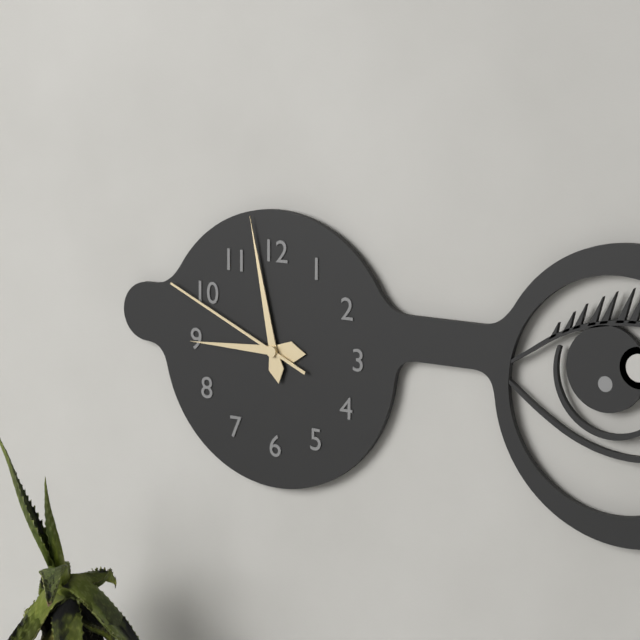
8:58:49
